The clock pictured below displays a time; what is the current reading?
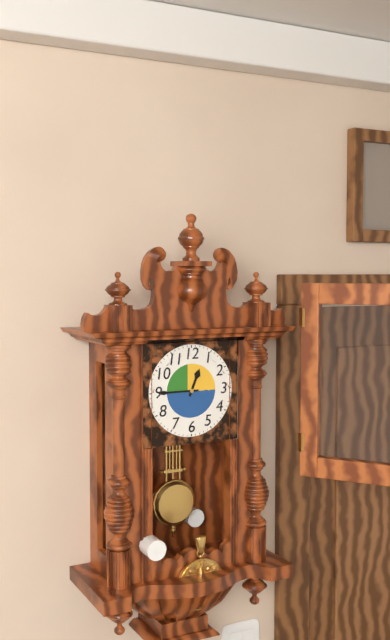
12:45
